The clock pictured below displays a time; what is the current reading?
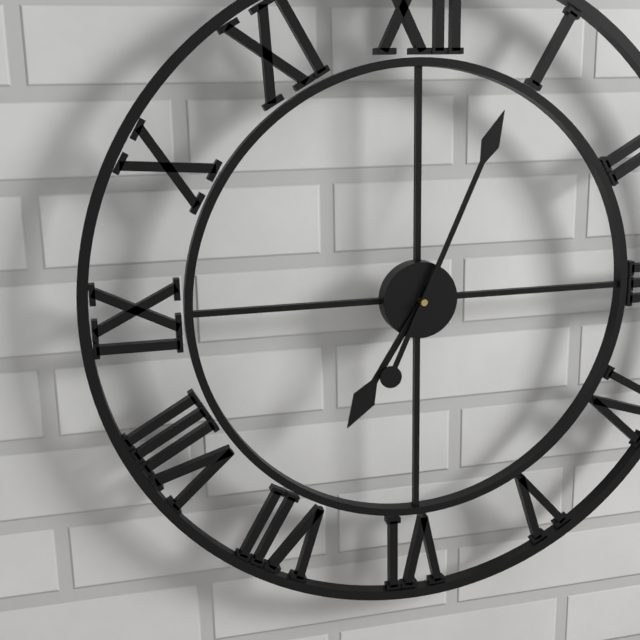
7:04
